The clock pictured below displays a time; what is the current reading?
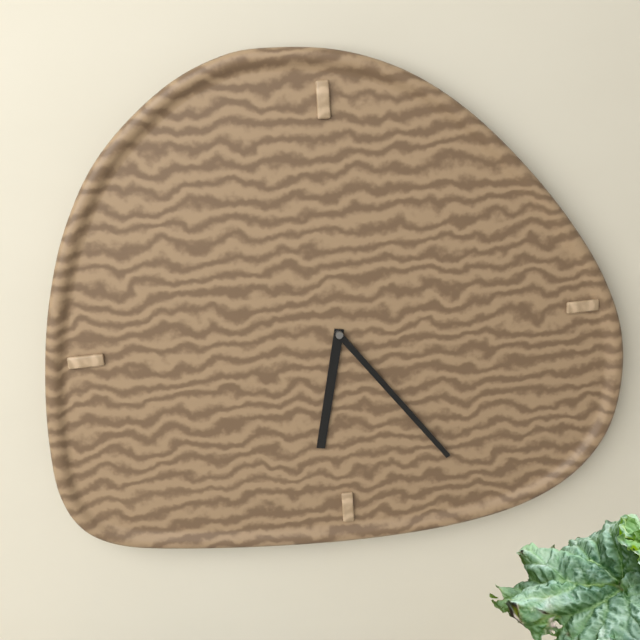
6:24
